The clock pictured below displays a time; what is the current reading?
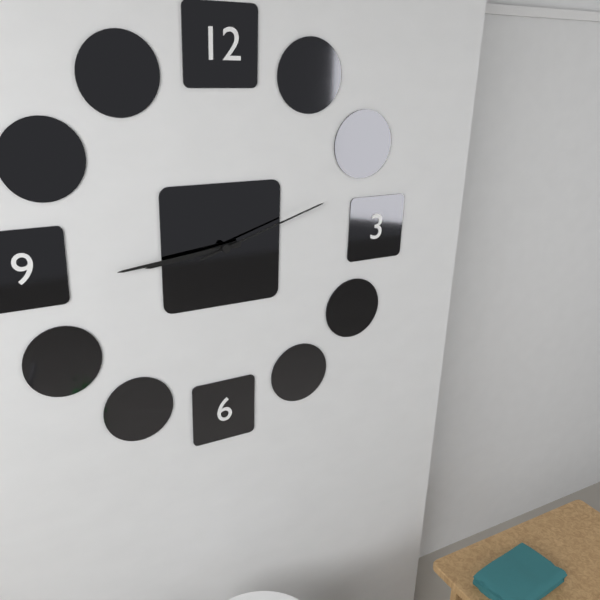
8:44:12
